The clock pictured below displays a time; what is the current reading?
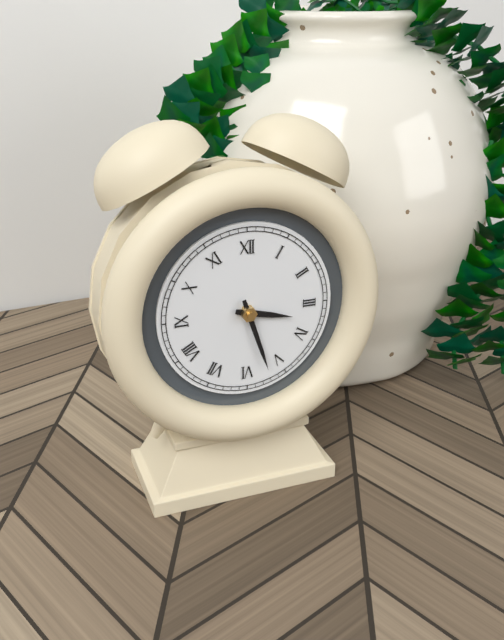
3:27
